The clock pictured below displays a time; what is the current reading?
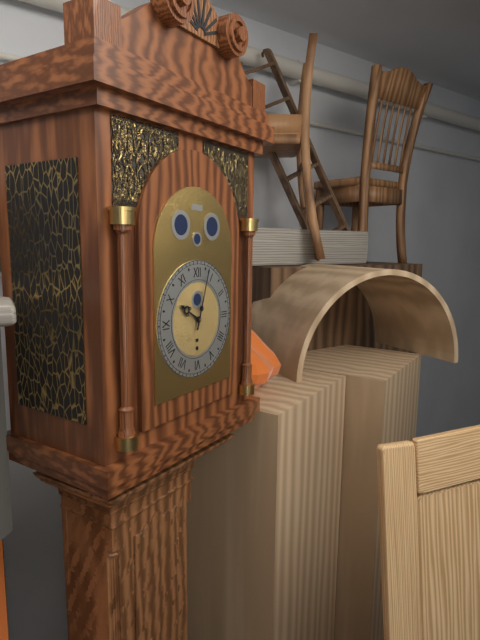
10:03
